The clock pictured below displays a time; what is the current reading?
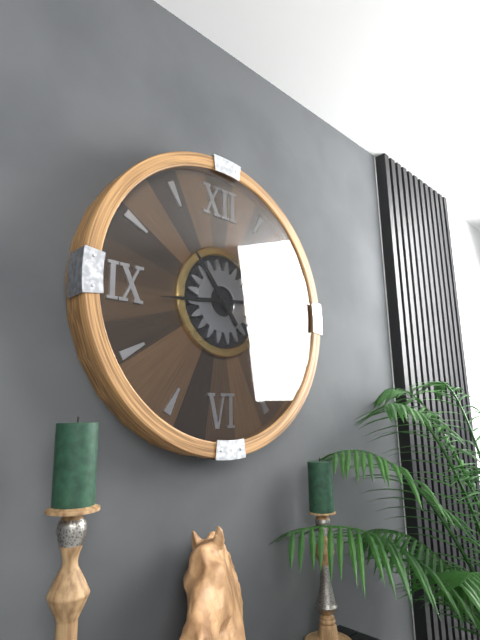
10:44
